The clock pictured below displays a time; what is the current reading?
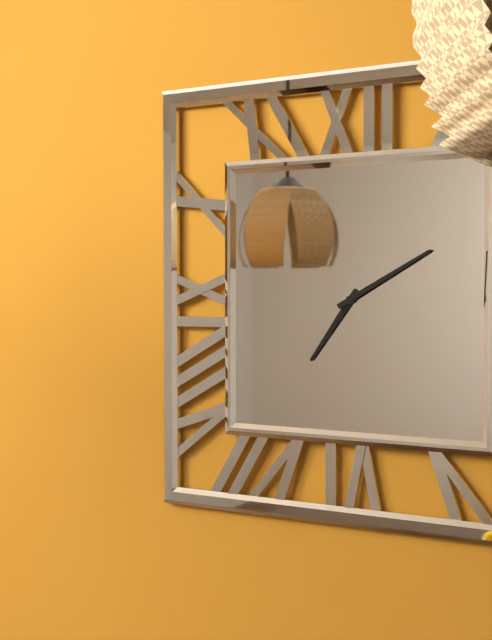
7:10
